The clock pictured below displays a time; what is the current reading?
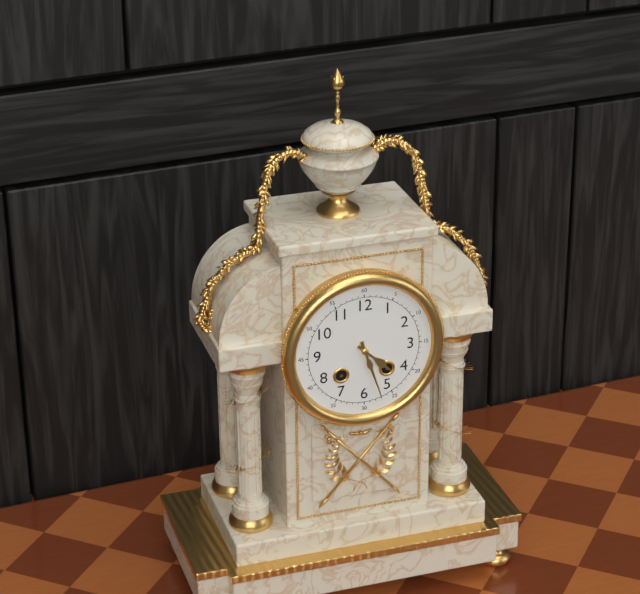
4:27
